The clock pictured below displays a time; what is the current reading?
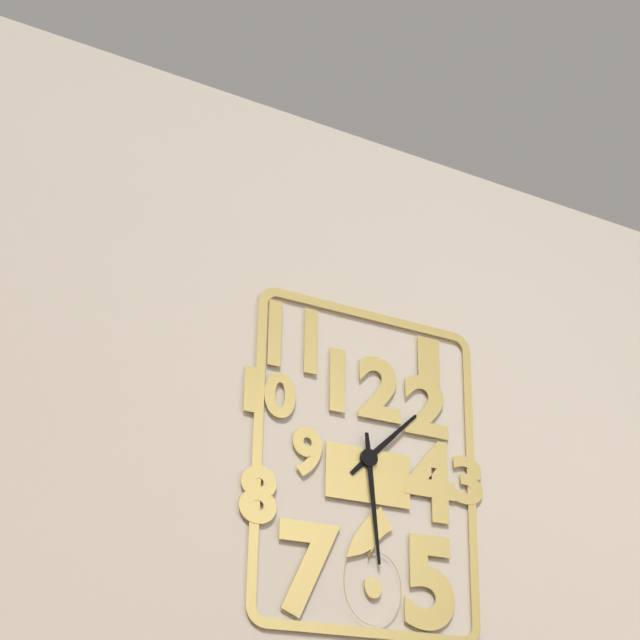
1:29
